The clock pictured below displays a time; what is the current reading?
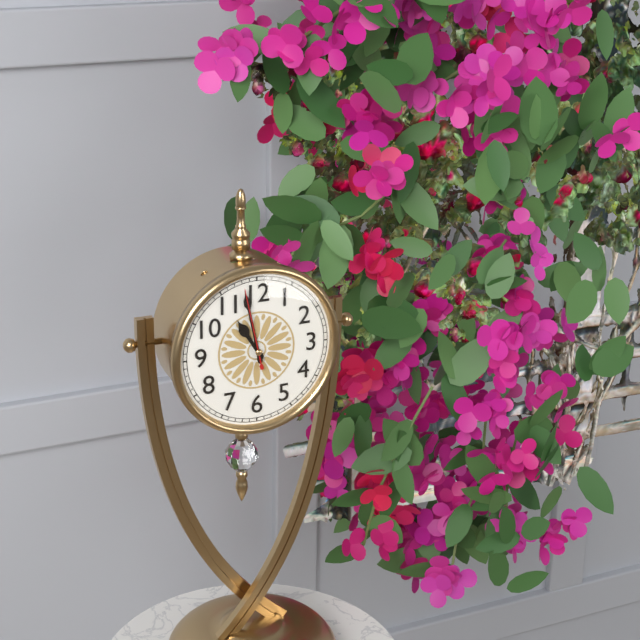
10:58:58
